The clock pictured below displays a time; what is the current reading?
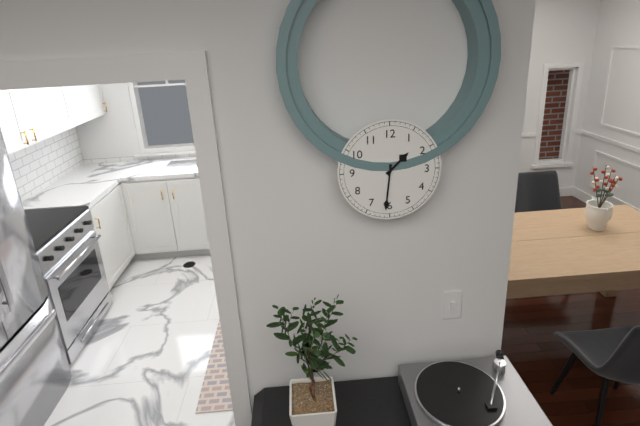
1:31
